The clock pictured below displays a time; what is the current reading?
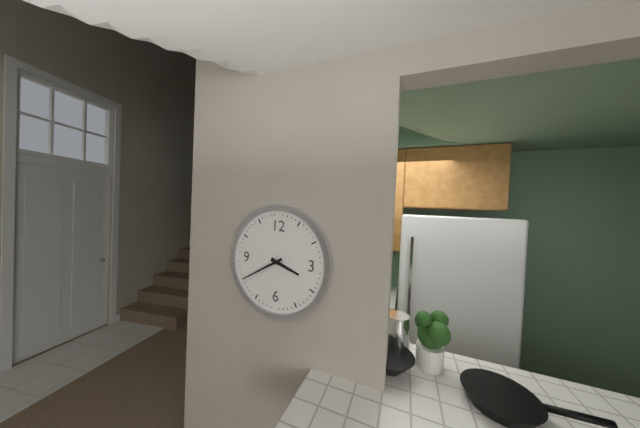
3:40
